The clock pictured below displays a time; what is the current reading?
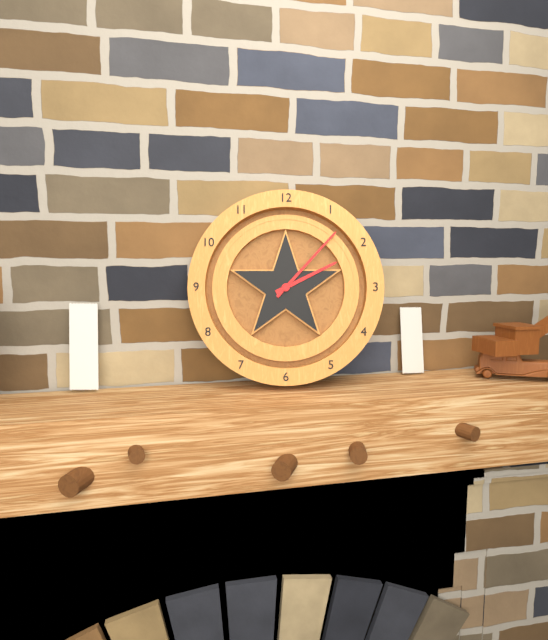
2:07
